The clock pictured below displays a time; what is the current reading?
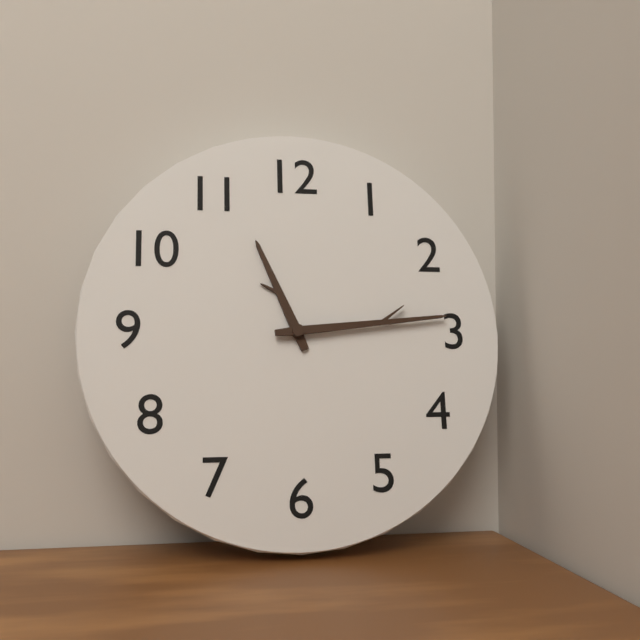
11:14
